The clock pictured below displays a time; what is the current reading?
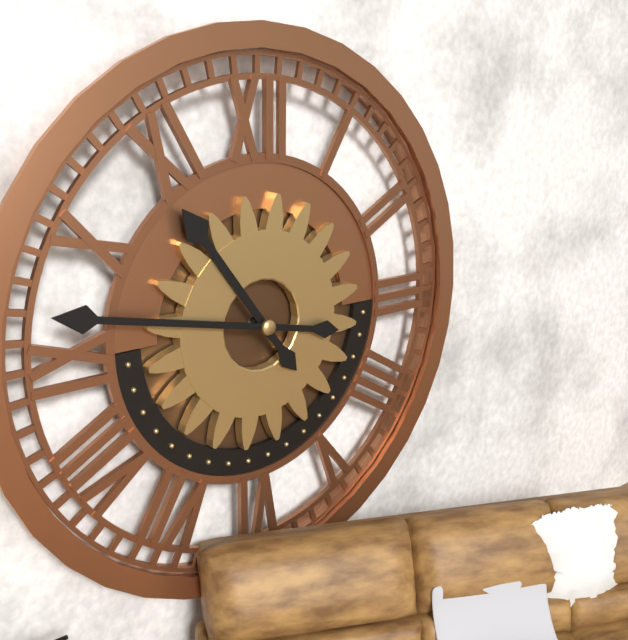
10:47
